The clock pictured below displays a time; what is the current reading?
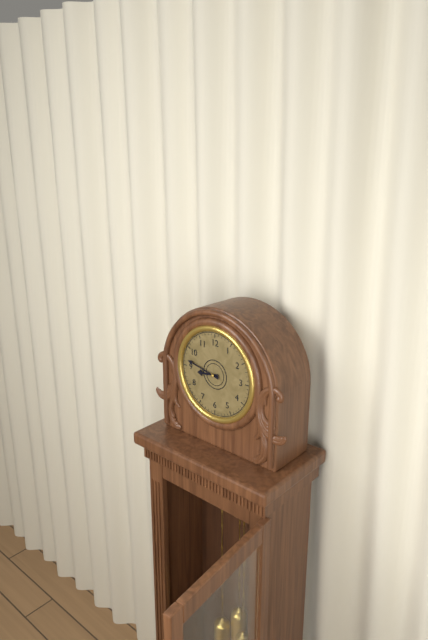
8:47
